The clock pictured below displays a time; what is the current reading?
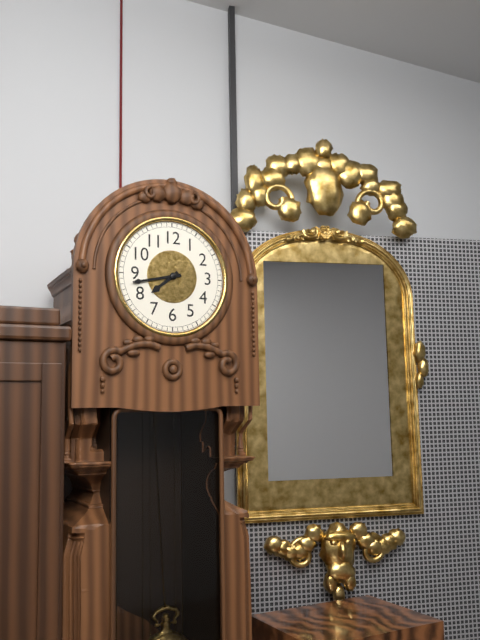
7:43
